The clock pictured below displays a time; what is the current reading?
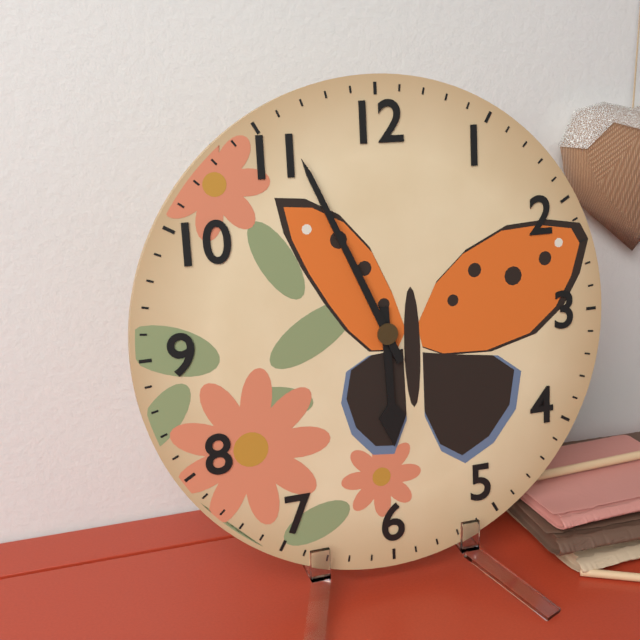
5:56
